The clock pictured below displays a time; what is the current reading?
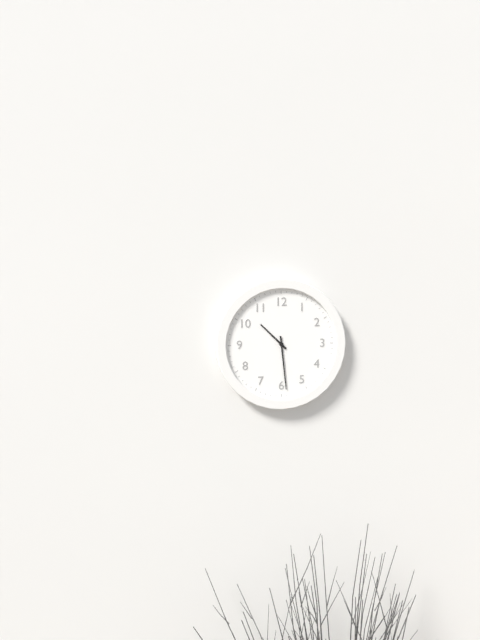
10:29
